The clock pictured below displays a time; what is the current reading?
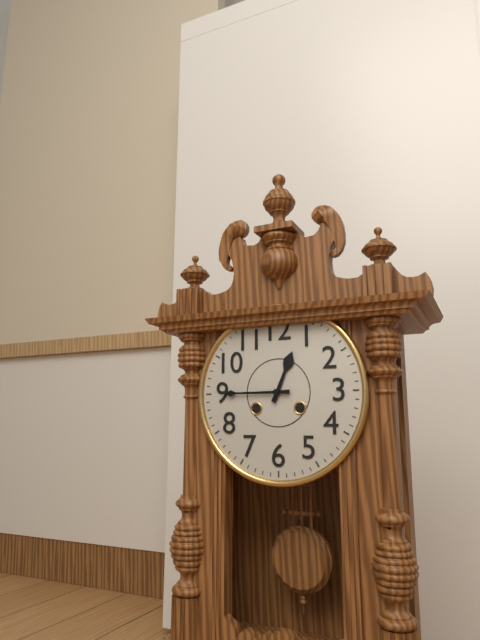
12:45
